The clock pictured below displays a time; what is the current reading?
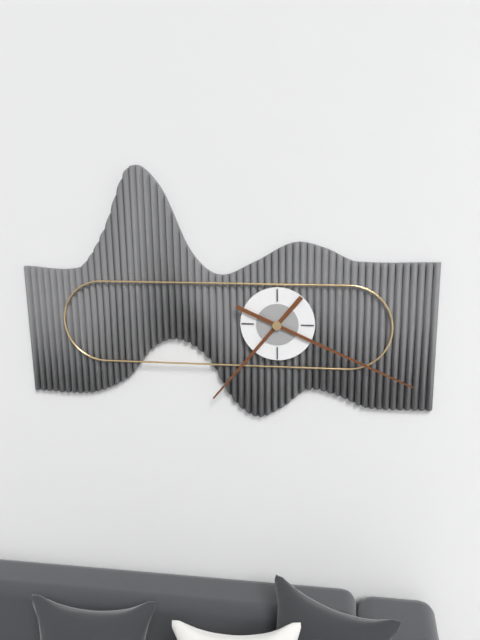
7:19
